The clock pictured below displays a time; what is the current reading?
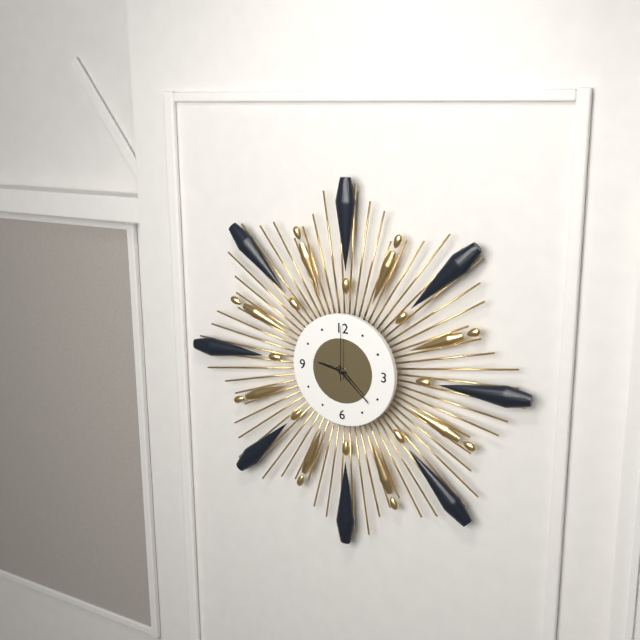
9:22:00
